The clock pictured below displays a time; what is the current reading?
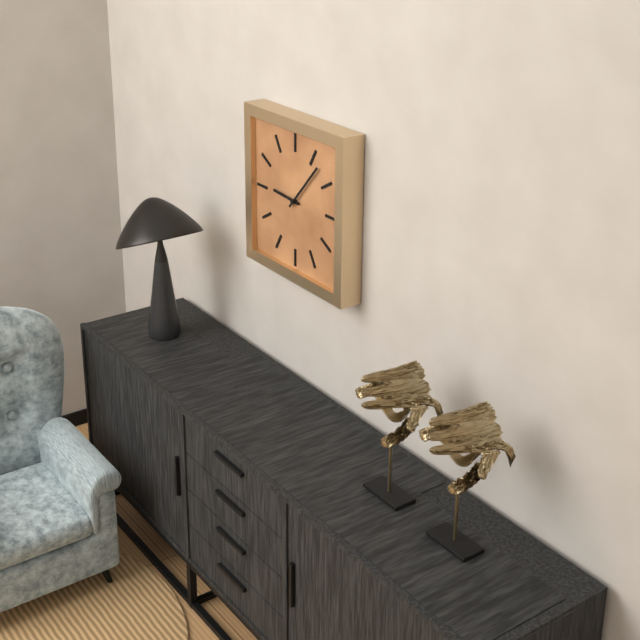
9:07
